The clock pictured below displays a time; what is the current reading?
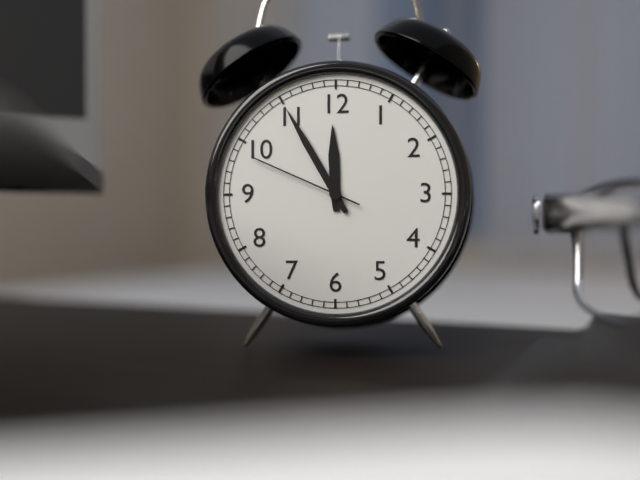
11:55:49
